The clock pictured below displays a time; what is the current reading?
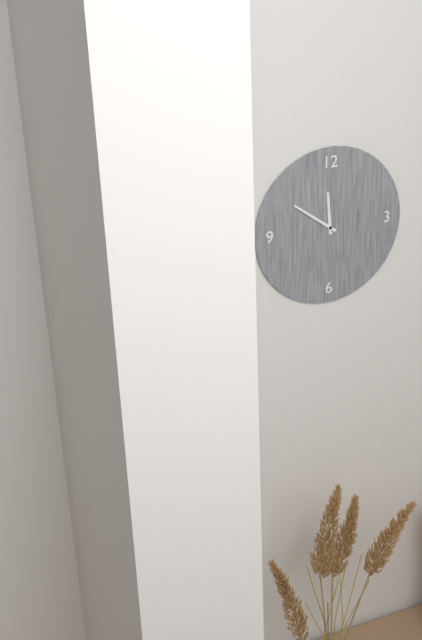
11:51
